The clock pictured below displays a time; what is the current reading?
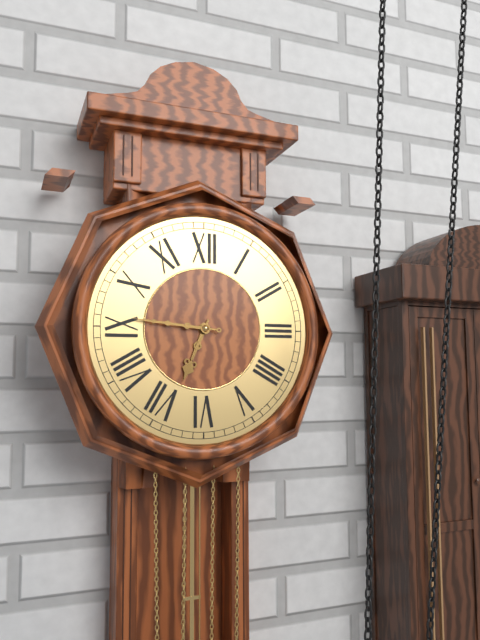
6:46
